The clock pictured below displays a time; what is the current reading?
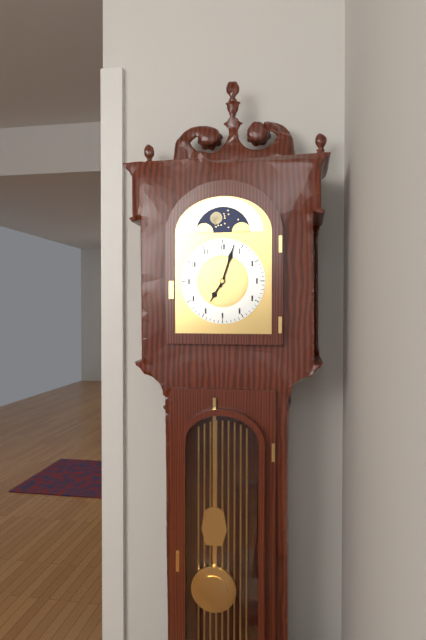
7:03
